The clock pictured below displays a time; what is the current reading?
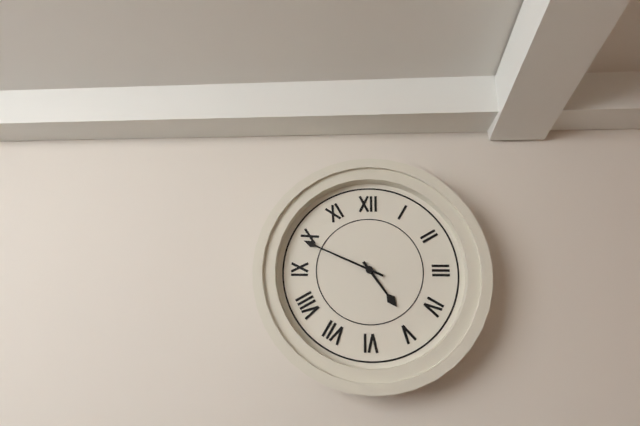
4:49
